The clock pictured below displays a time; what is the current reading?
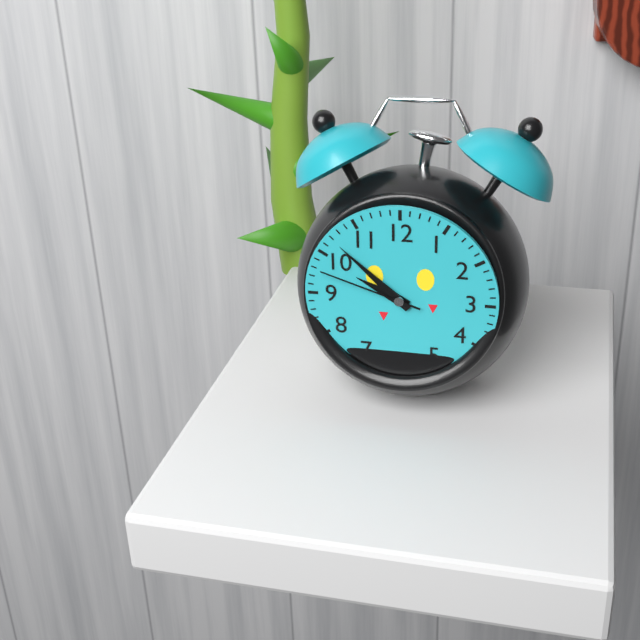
9:52:48
